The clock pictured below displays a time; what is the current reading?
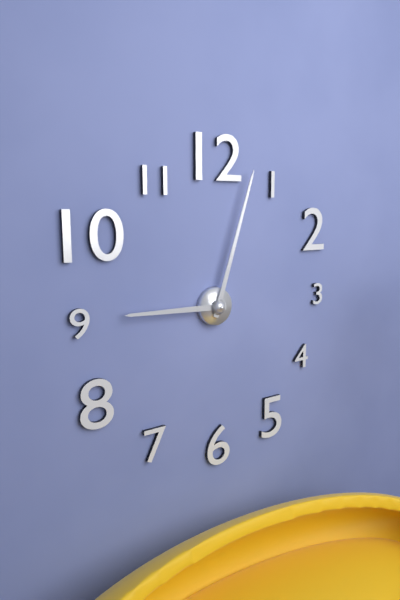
9:03
